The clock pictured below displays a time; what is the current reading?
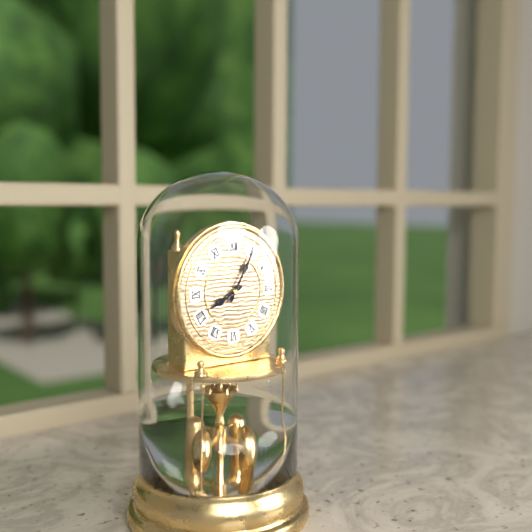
8:05
